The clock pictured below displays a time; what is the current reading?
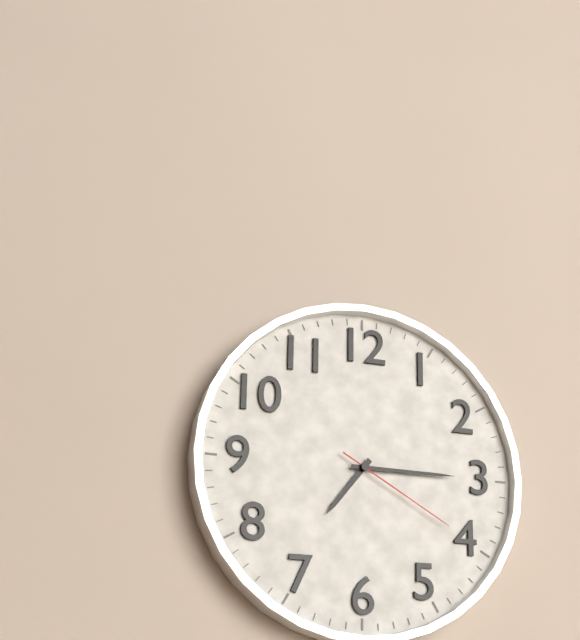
7:15:20
